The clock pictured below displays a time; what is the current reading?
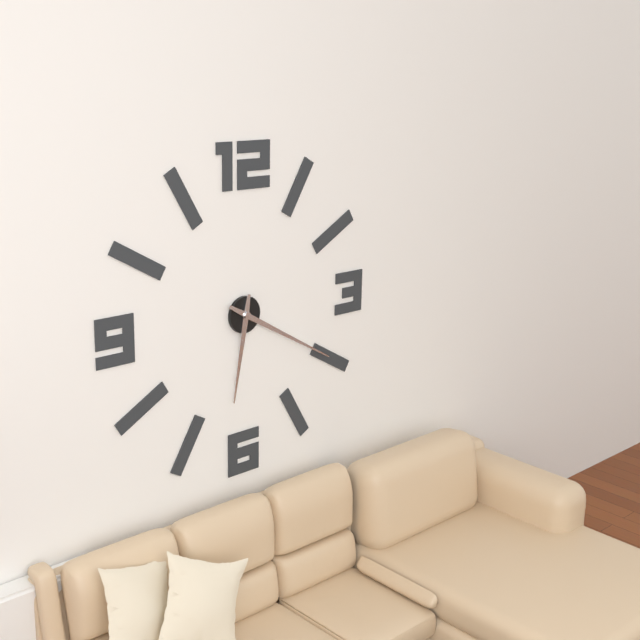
6:20
